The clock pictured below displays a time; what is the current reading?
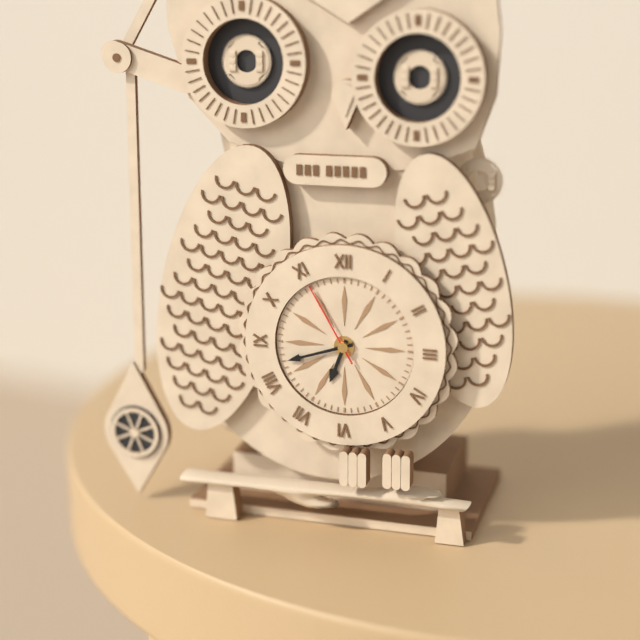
6:42:55
